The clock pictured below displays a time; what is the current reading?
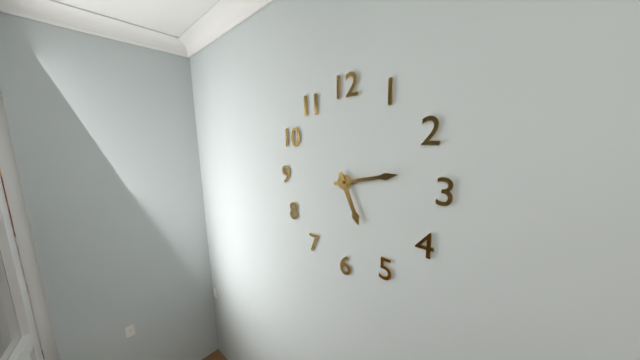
5:13
